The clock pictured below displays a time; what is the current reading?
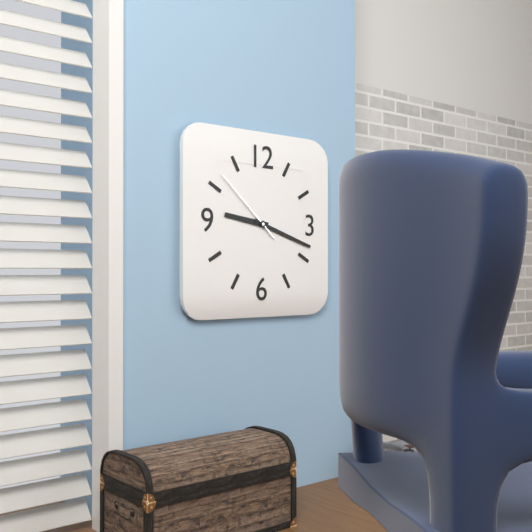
9:18:52
